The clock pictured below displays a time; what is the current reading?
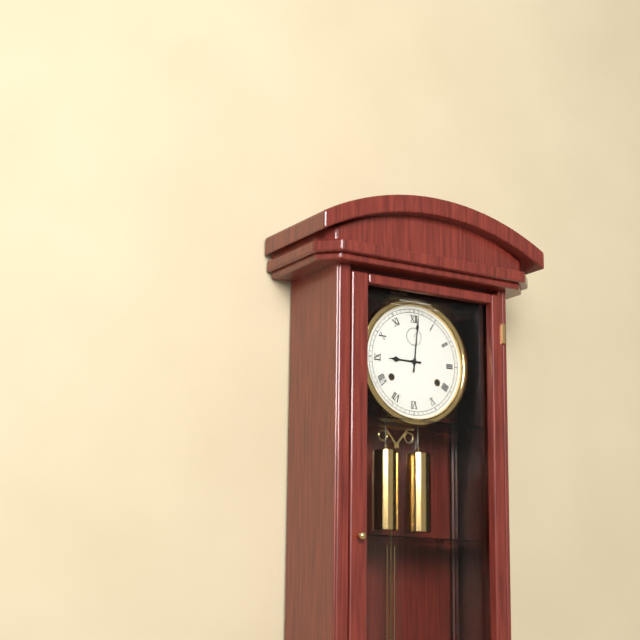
9:01
